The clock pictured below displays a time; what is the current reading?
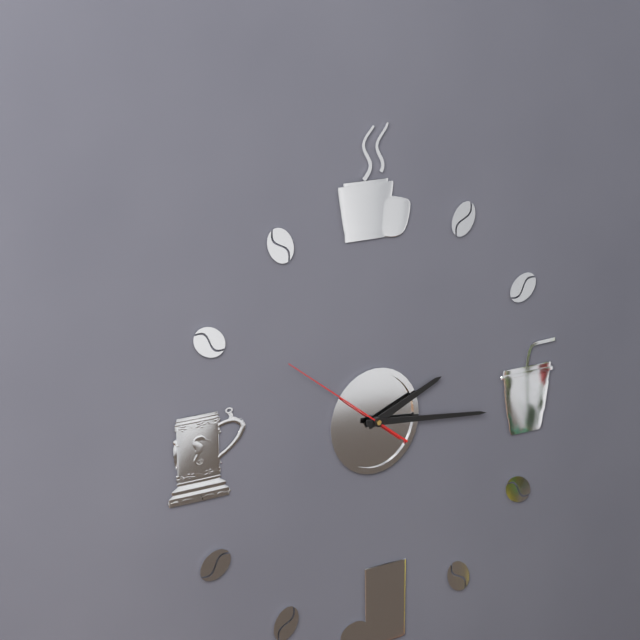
2:16:51
